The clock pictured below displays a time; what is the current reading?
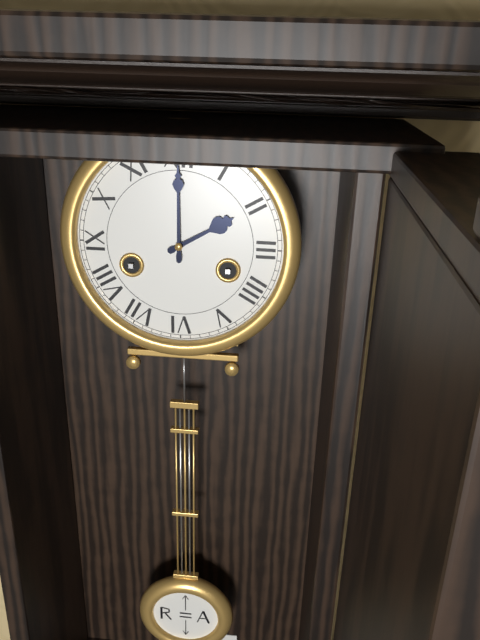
2:00
